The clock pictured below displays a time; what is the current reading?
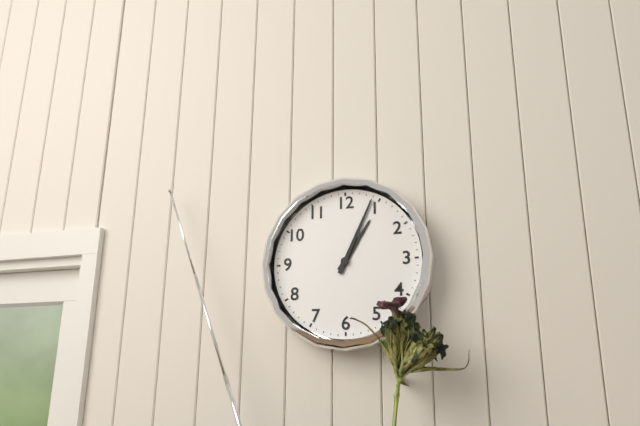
1:04
